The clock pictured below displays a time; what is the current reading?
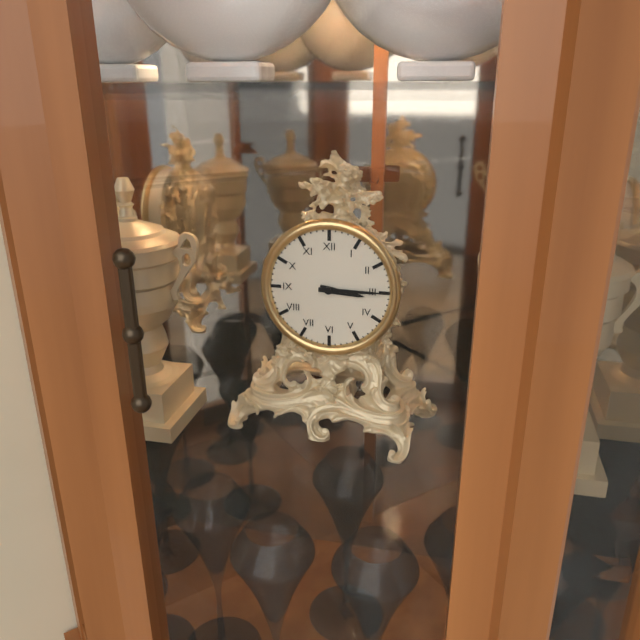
3:15
